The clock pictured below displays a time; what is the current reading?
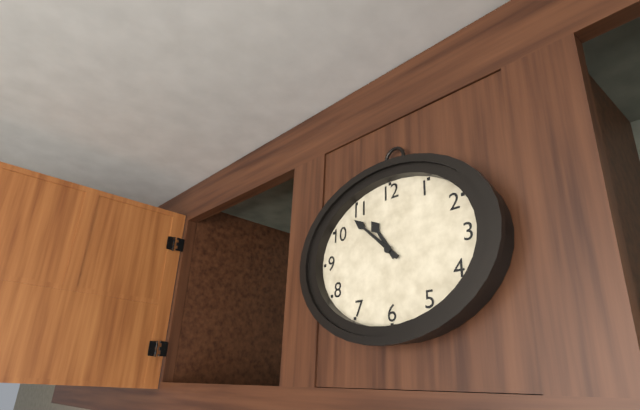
10:52
